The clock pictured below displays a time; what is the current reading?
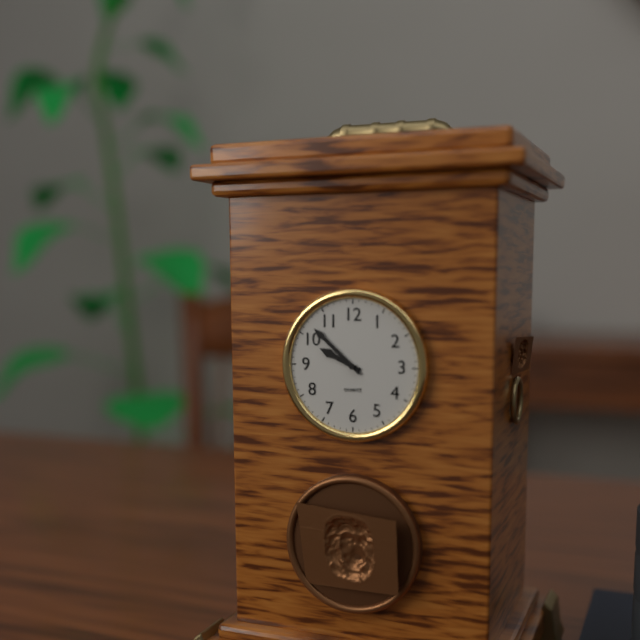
9:52
